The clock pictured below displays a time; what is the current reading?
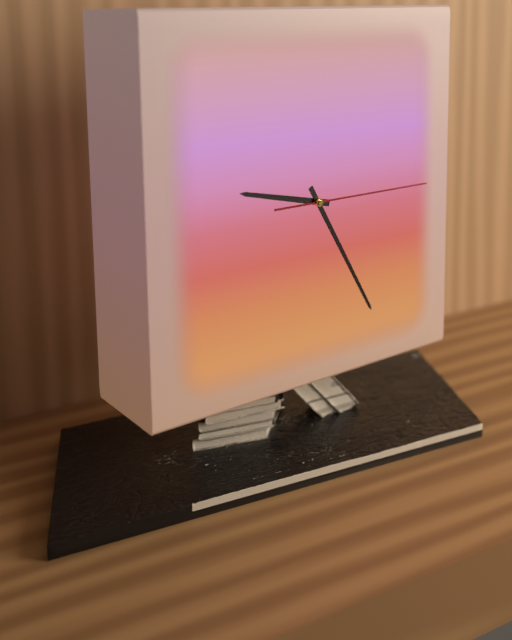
9:25:15
